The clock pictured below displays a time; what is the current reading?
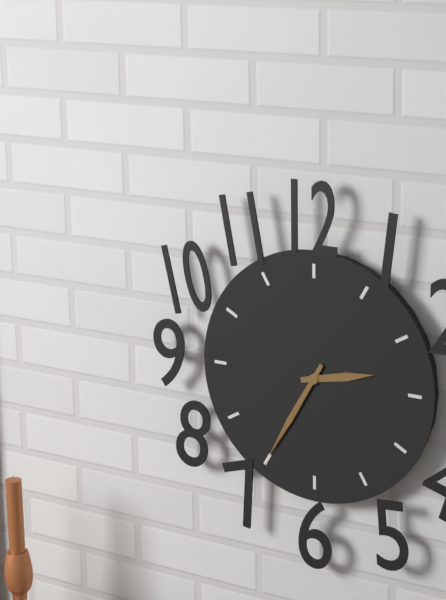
2:35
